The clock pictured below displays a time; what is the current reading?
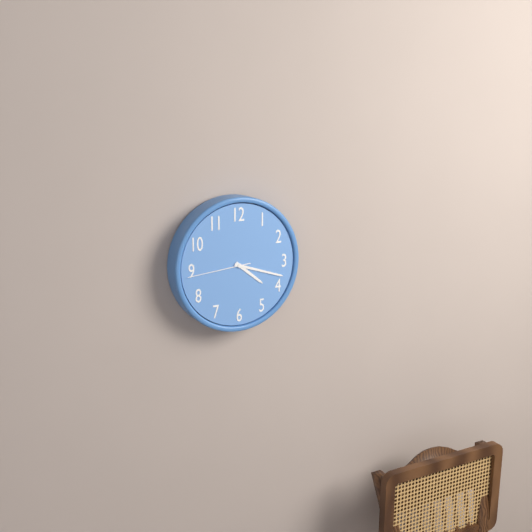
4:18:44
